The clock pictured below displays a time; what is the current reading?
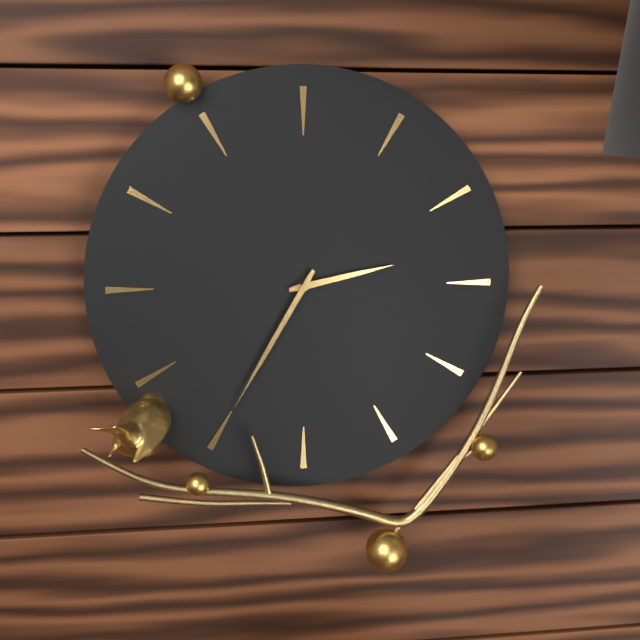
2:35
